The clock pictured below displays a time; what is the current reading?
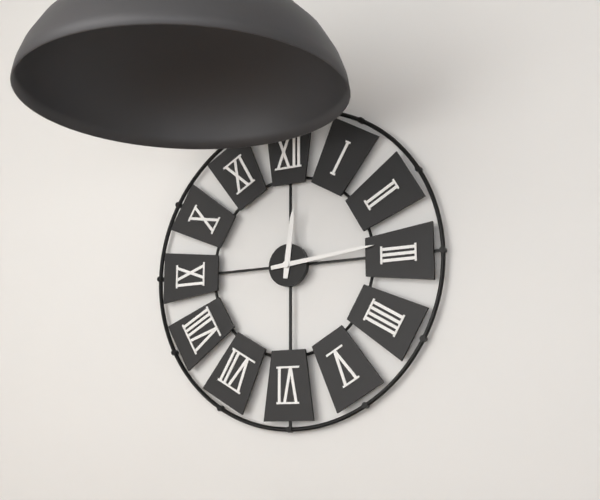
12:14
